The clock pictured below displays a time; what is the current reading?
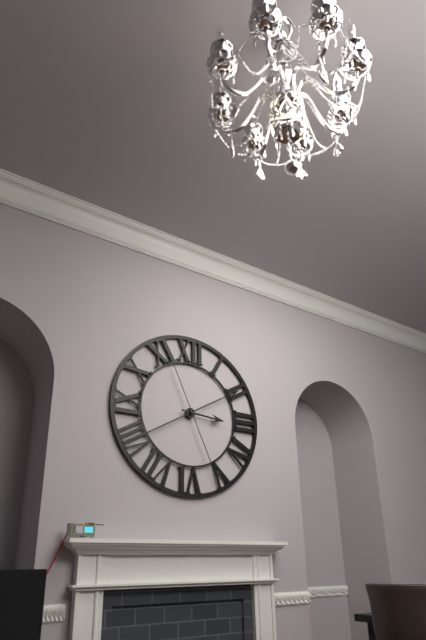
3:10:26
